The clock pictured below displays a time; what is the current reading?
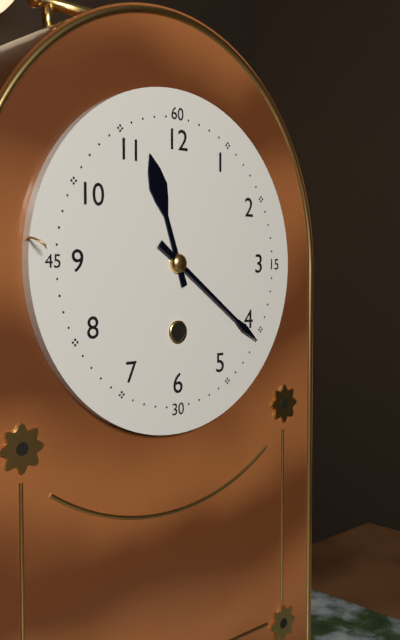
11:21
